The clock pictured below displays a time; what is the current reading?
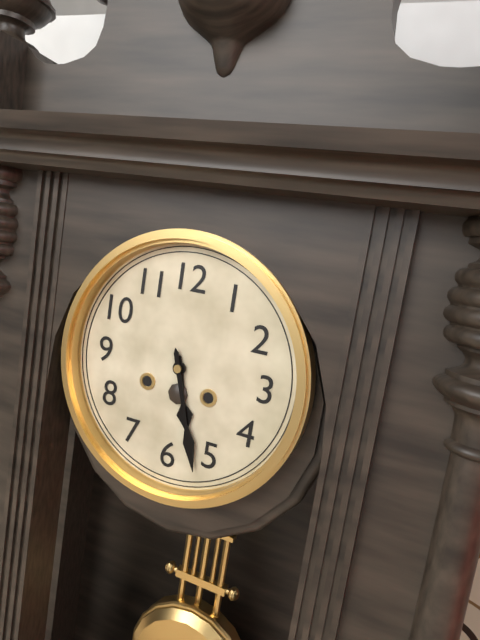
5:27
